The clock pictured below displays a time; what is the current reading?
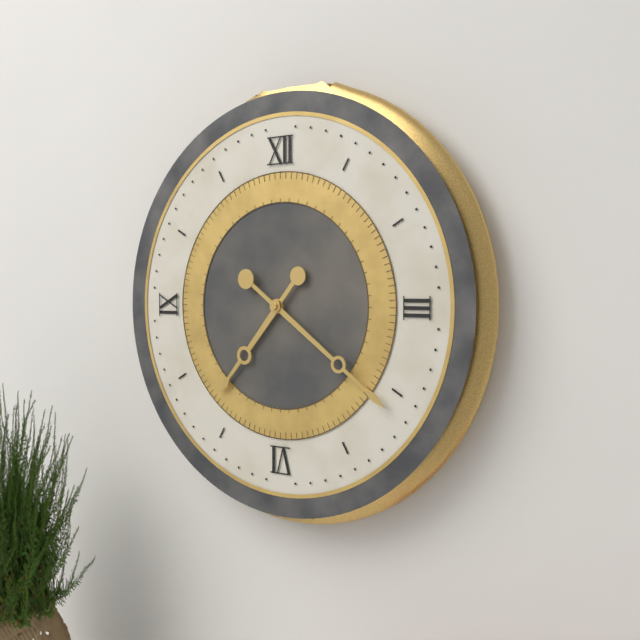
7:21
